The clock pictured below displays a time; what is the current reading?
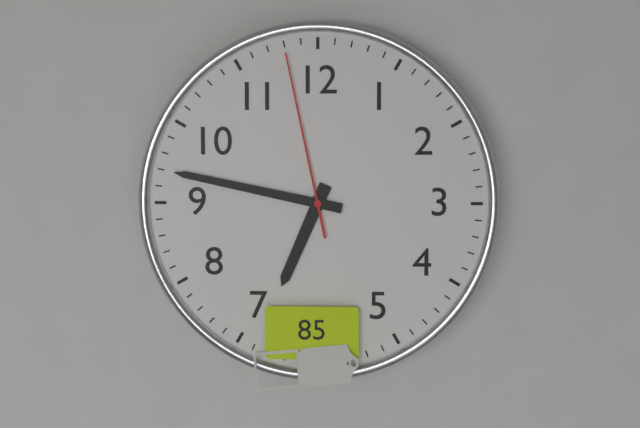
6:47:58
